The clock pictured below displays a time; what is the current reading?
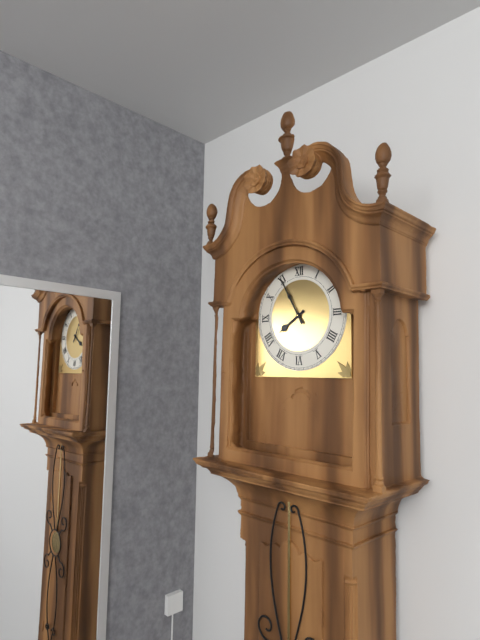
7:55
